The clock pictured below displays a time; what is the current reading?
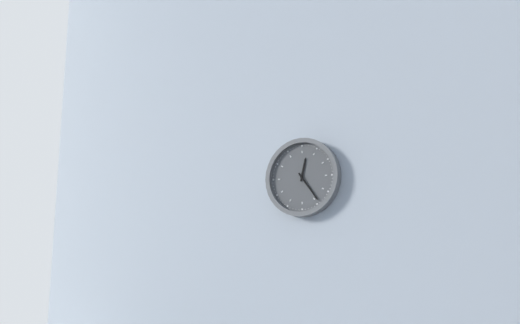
12:24
